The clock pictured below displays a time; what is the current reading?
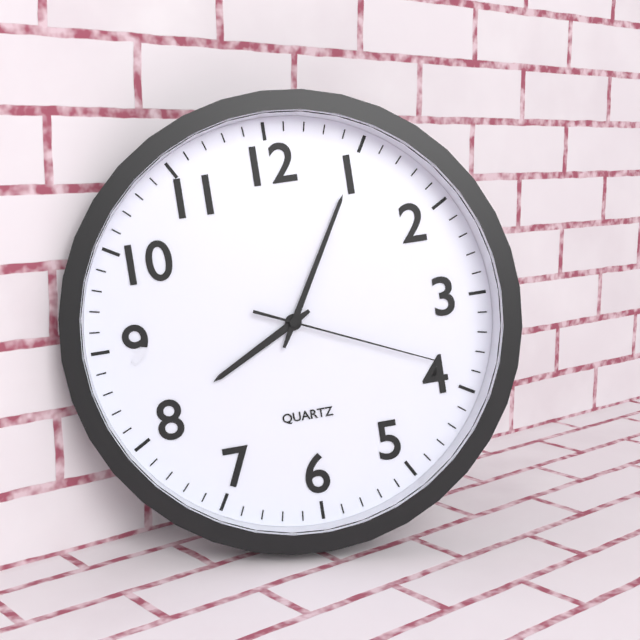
8:05:19
